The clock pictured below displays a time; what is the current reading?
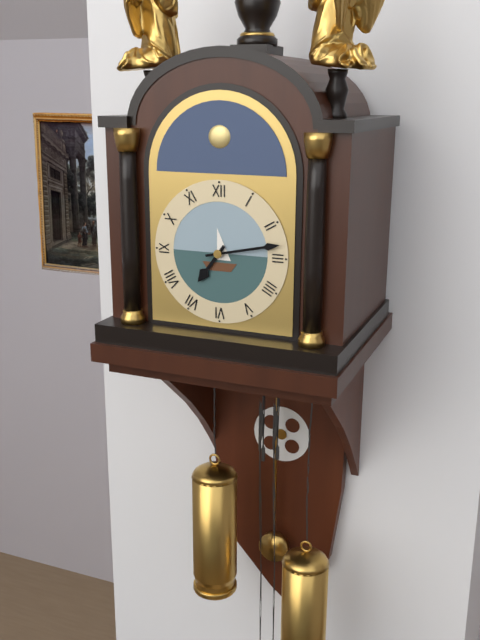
7:13
